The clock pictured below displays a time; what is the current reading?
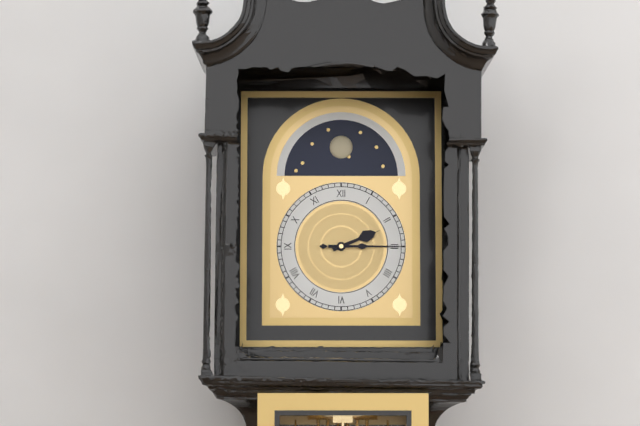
2:15
